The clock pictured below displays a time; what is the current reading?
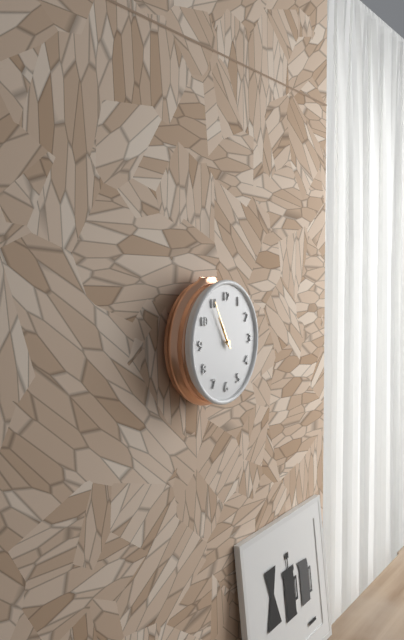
10:55
